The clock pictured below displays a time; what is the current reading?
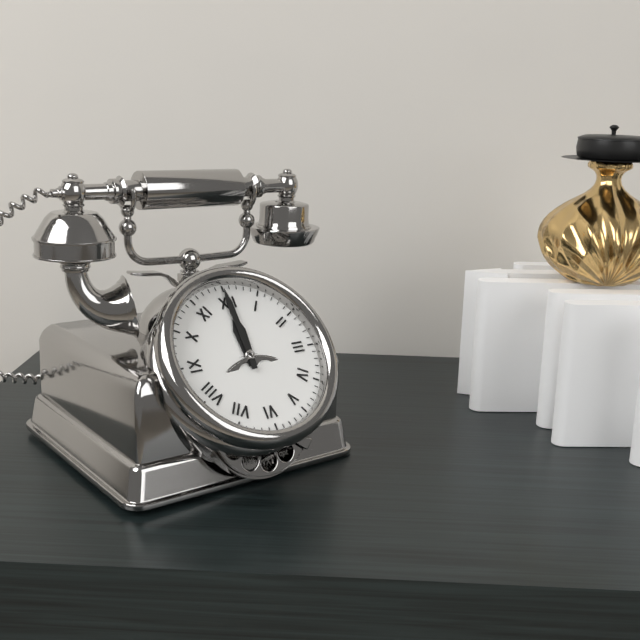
12:00
